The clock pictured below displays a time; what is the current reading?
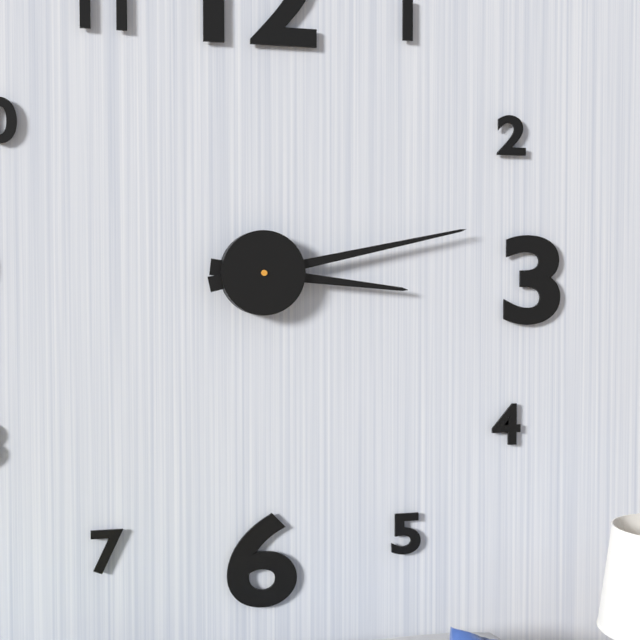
3:13
